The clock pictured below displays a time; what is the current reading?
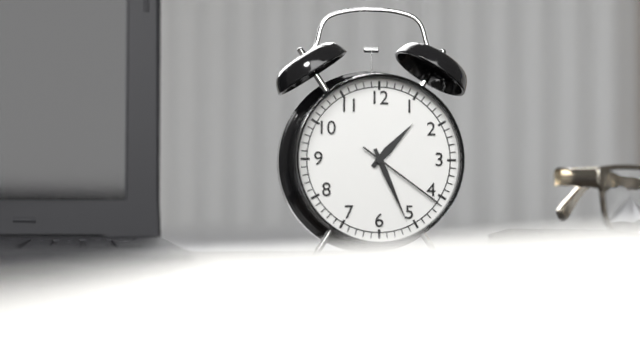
1:26:21
